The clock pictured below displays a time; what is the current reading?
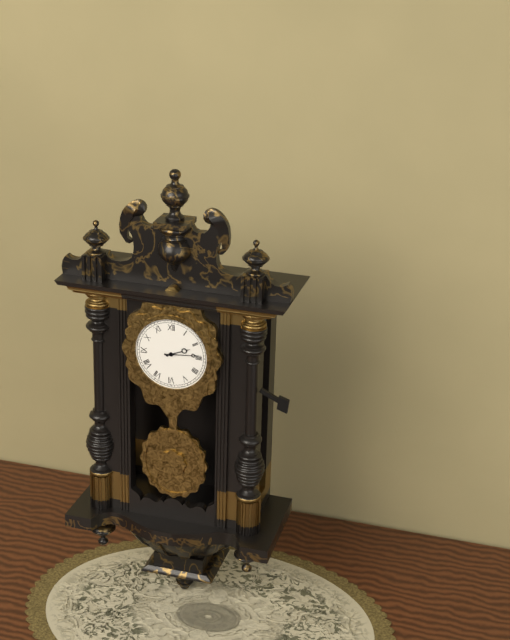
2:14
